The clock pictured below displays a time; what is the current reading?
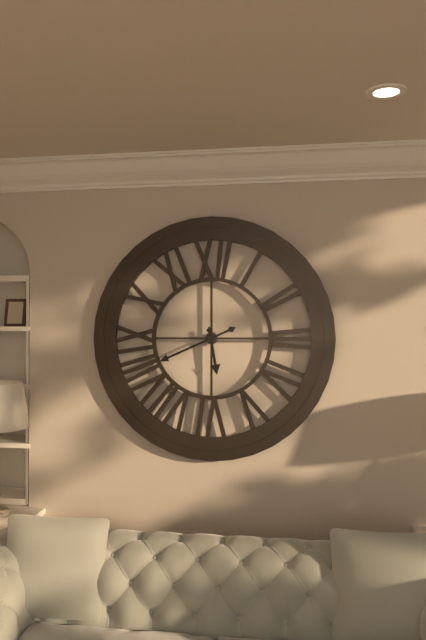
5:41
